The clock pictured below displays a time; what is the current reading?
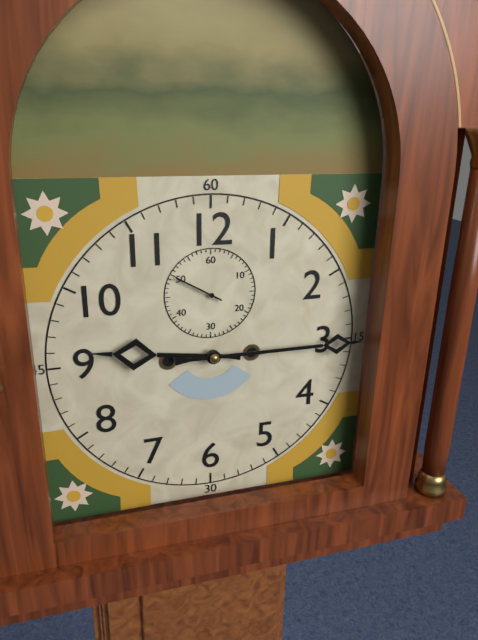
9:15:50
